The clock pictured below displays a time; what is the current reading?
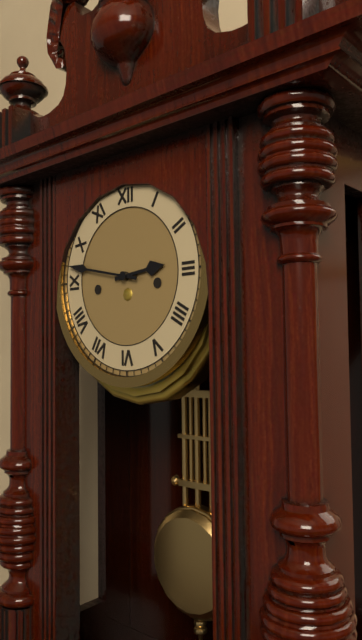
2:47
